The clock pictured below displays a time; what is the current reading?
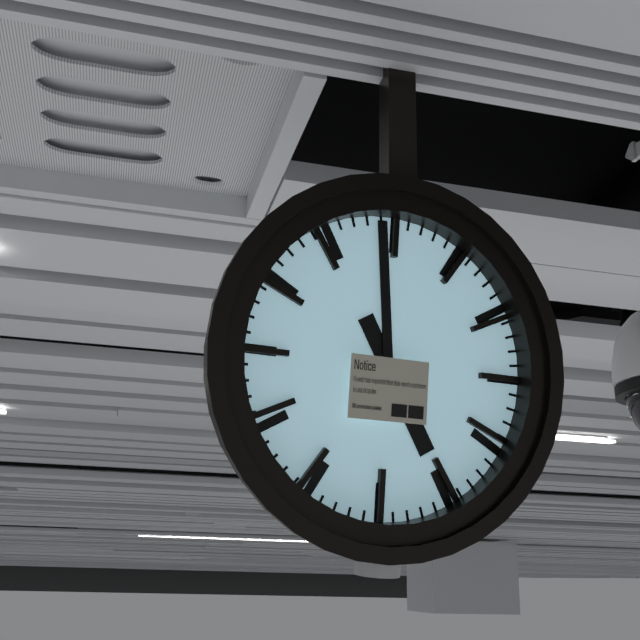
4:59
